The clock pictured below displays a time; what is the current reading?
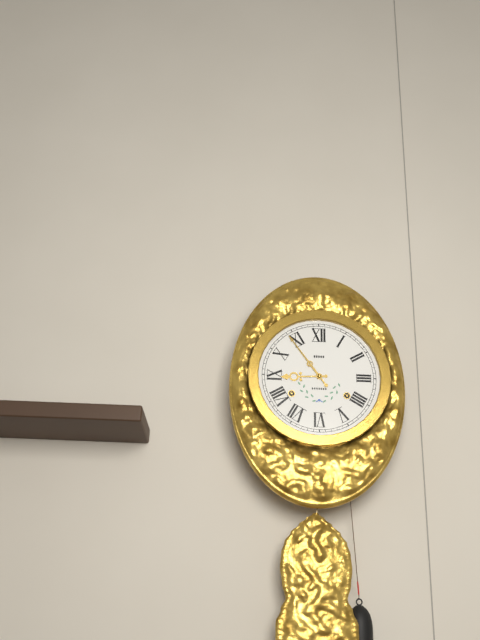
8:54
